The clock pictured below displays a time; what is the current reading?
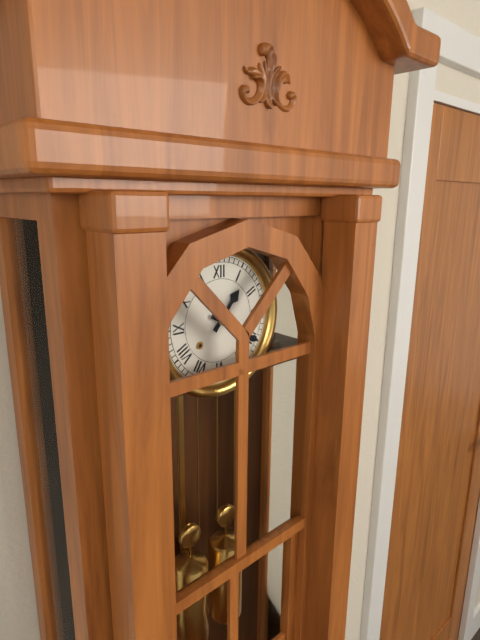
1:20
